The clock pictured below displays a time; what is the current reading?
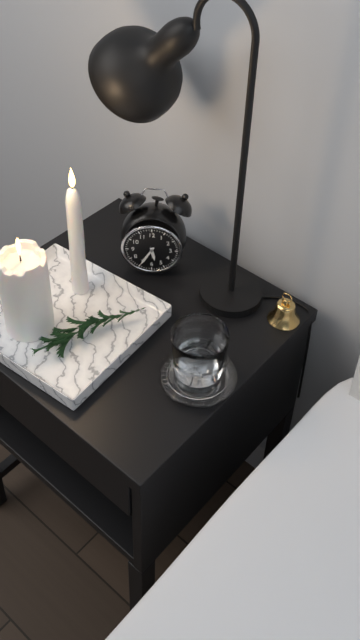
5:35
